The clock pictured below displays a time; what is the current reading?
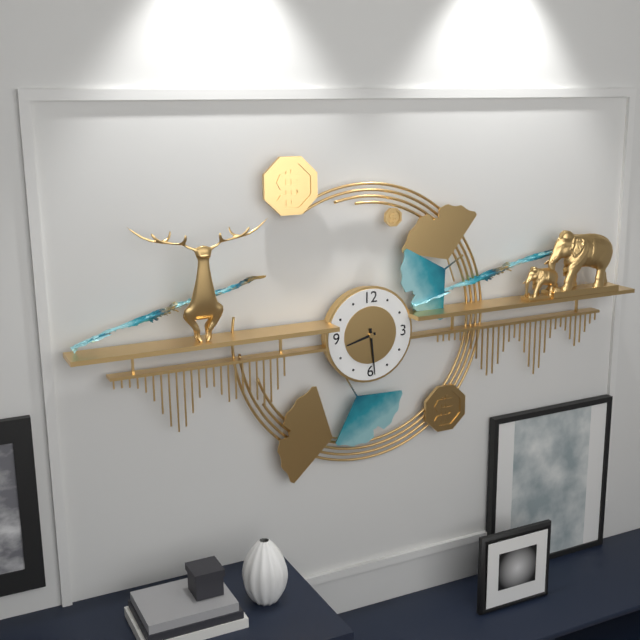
8:29
